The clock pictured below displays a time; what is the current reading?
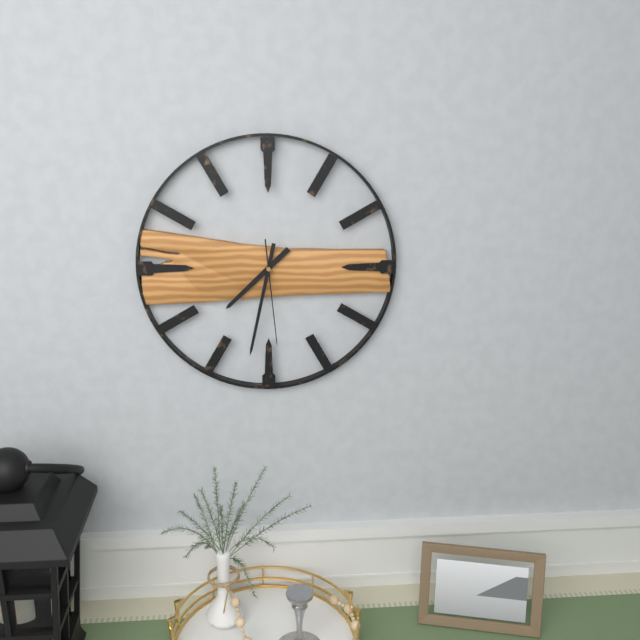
7:32:29
